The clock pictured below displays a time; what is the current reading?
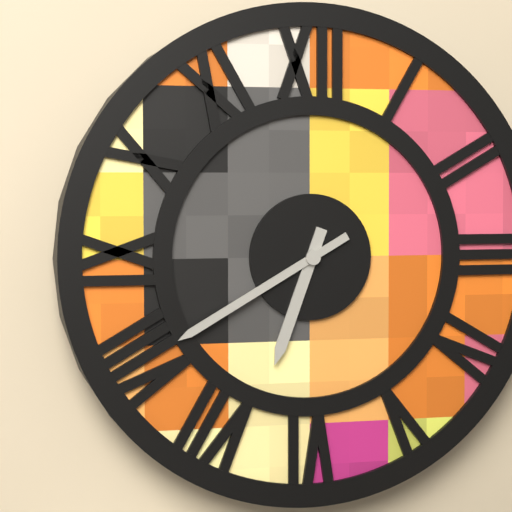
6:40
